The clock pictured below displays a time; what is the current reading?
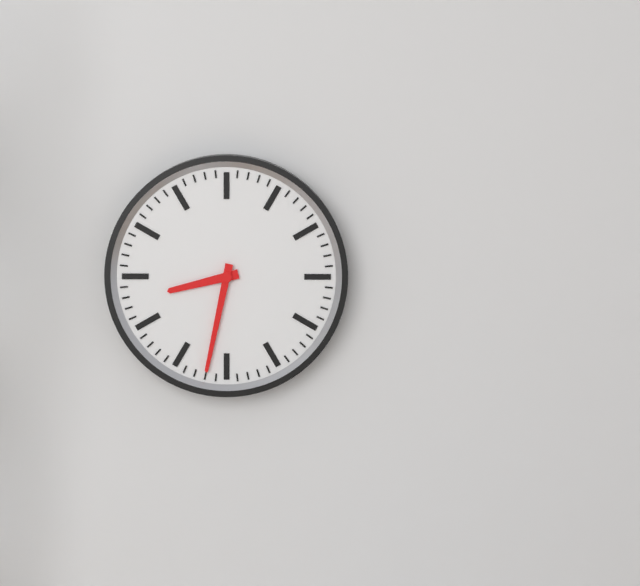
8:32
